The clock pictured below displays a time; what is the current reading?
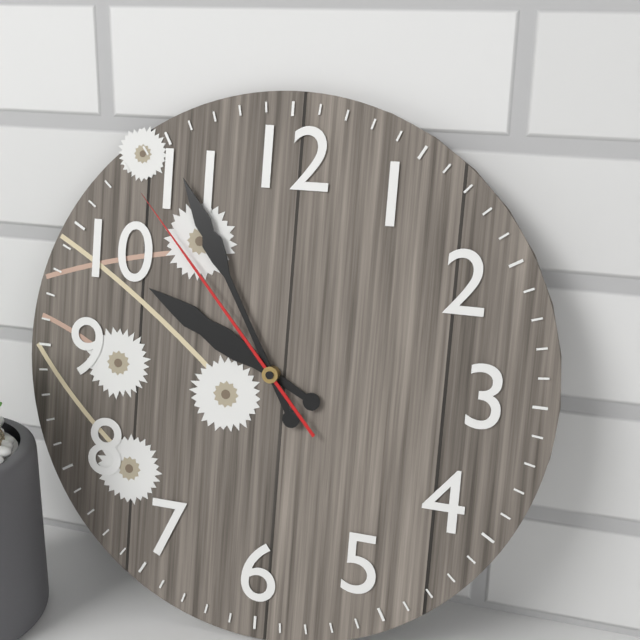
9:55:53
